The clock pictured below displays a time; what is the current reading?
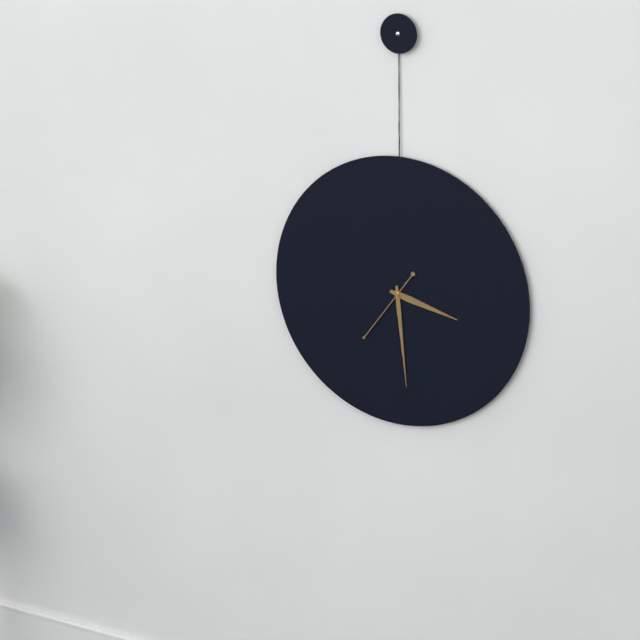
3:29:36
